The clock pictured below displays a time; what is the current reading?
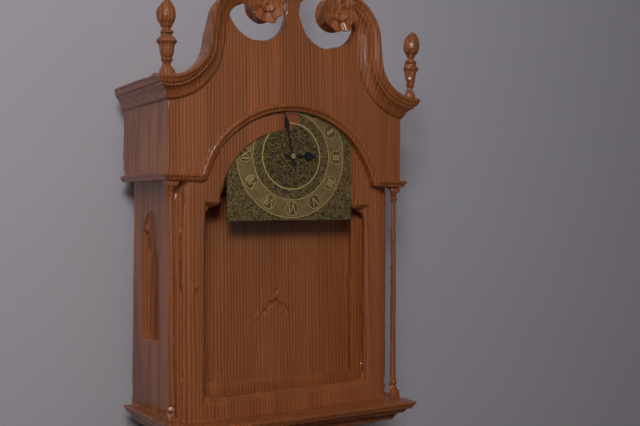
2:58
